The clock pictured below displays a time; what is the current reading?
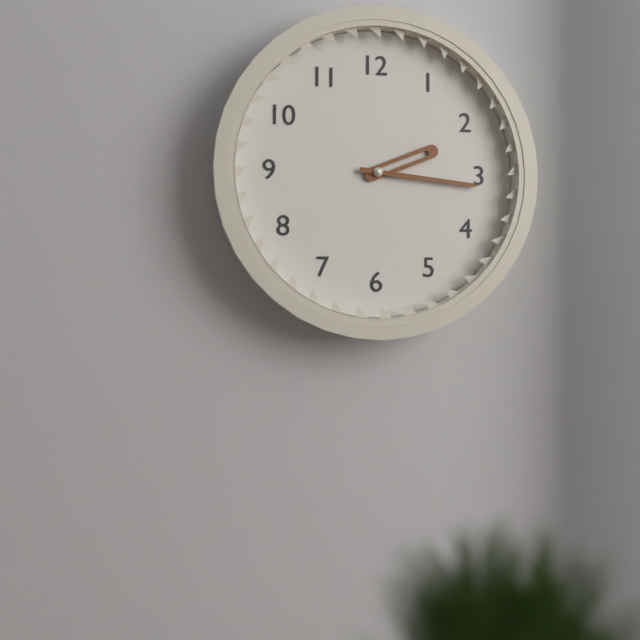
2:16
